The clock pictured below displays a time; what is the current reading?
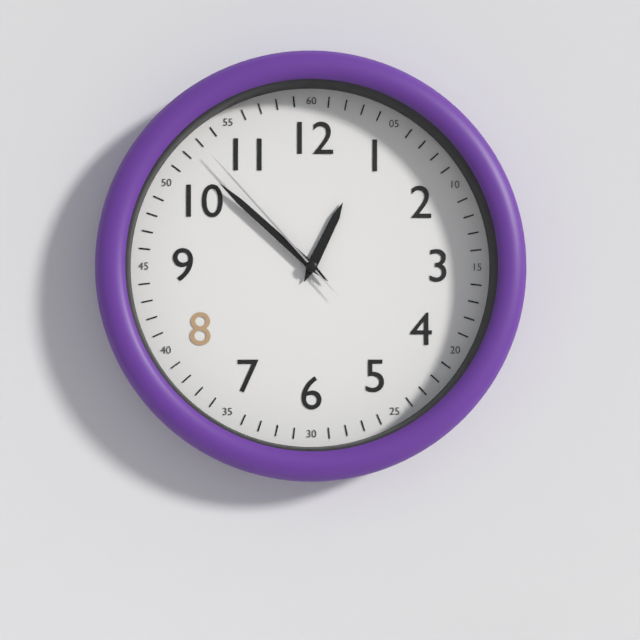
12:52:53
